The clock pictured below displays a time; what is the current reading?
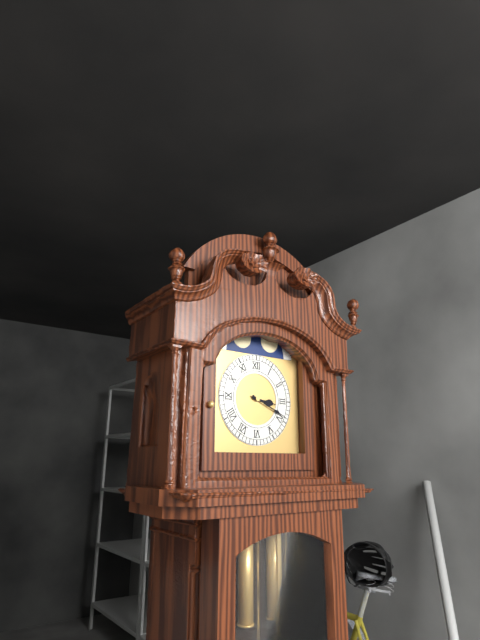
3:19
